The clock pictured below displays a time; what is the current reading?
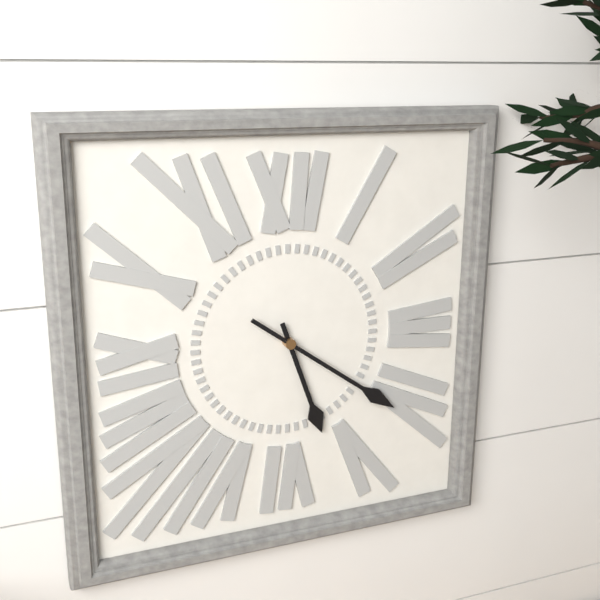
5:21
